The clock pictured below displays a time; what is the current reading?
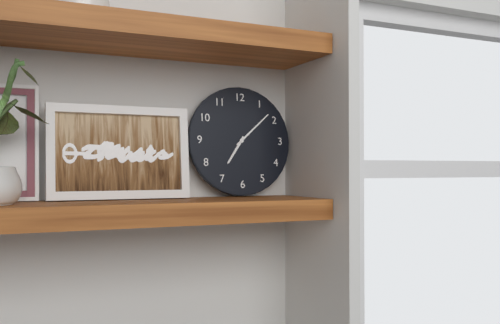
7:08
